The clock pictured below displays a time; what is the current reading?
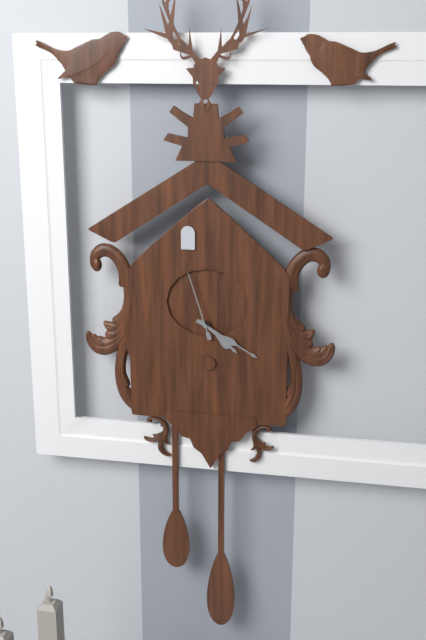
4:20:57
